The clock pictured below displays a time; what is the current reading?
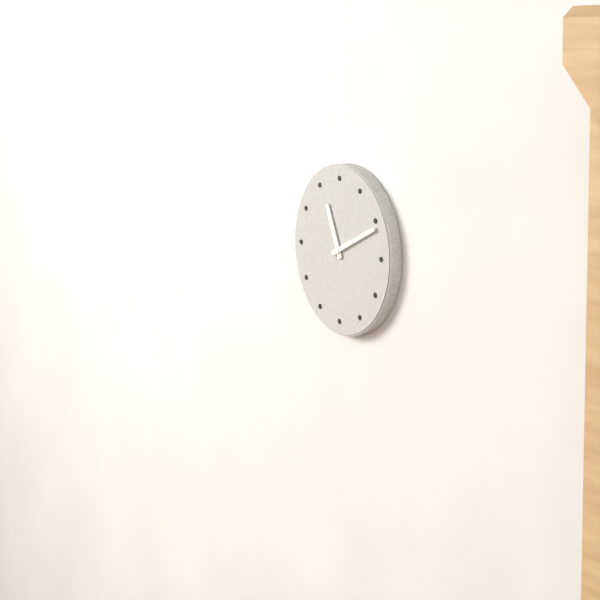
11:11
